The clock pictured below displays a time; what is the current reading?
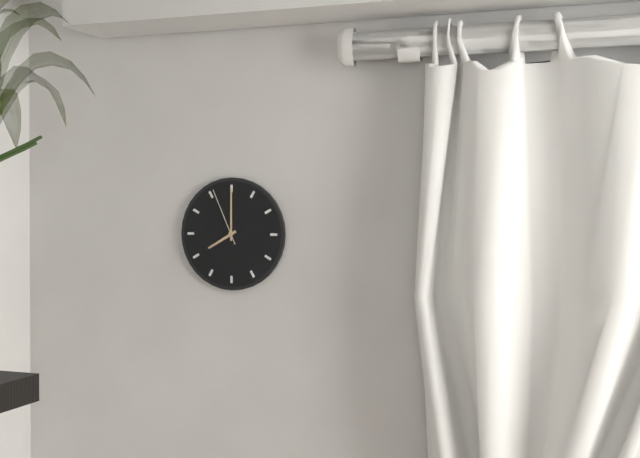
8:00:56
